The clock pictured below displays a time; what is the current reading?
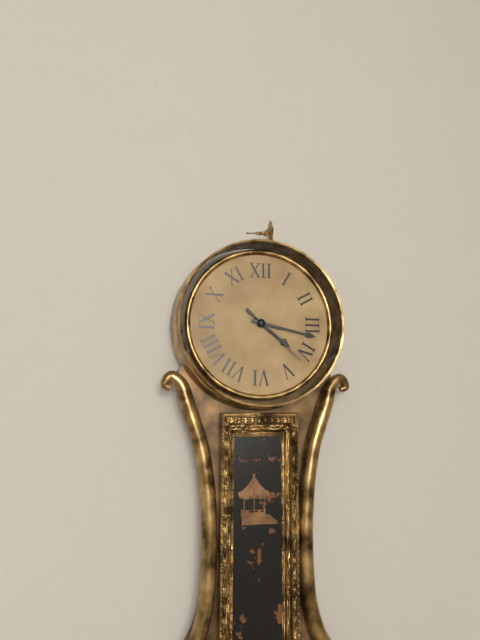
4:17:22
